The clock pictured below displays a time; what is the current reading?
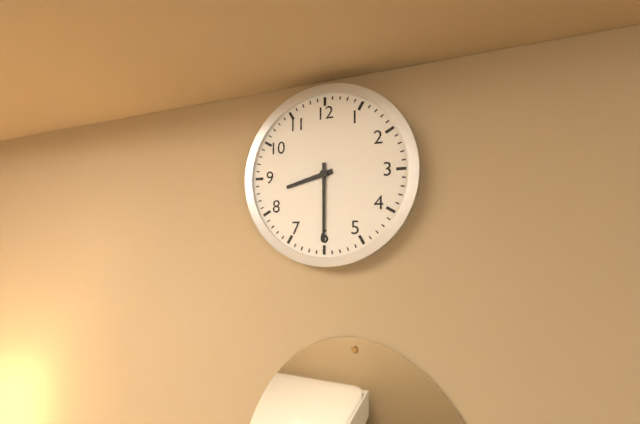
8:30
